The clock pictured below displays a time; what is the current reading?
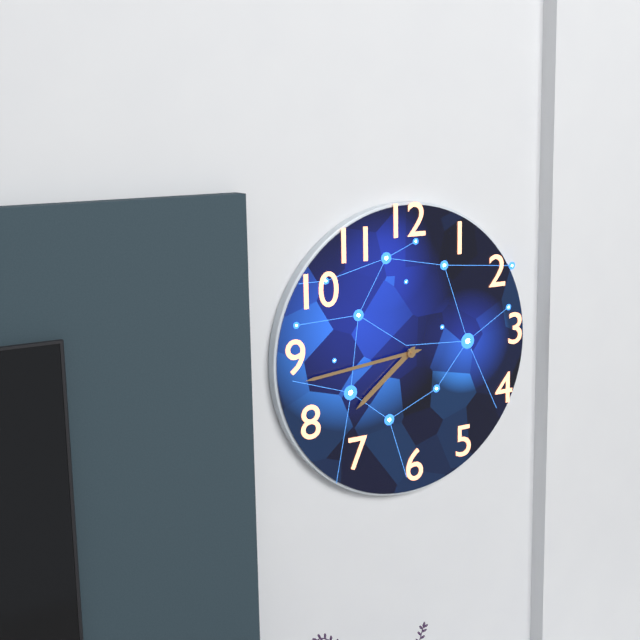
7:44
